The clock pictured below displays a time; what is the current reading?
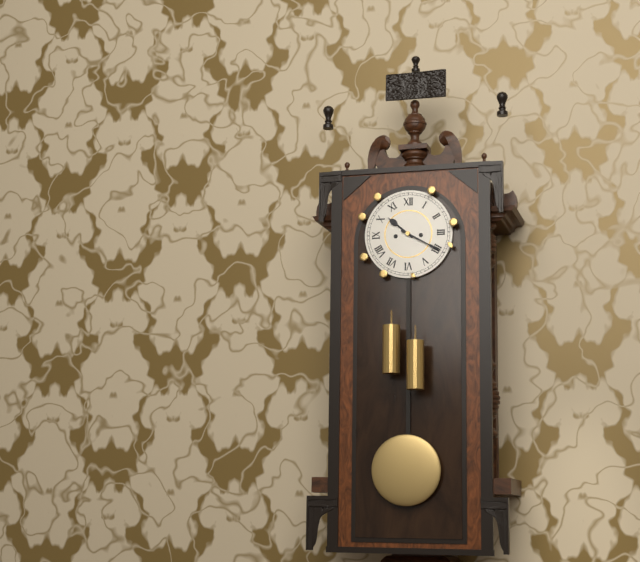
10:20
